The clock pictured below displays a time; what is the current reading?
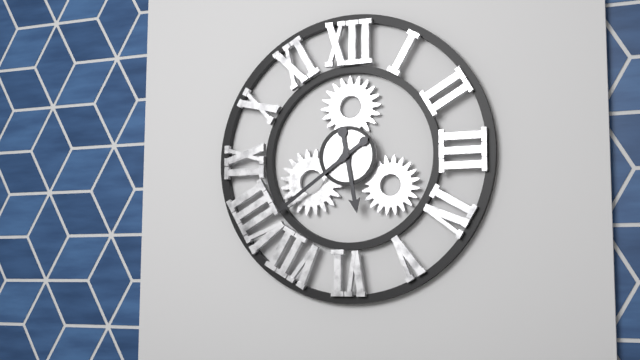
5:39
